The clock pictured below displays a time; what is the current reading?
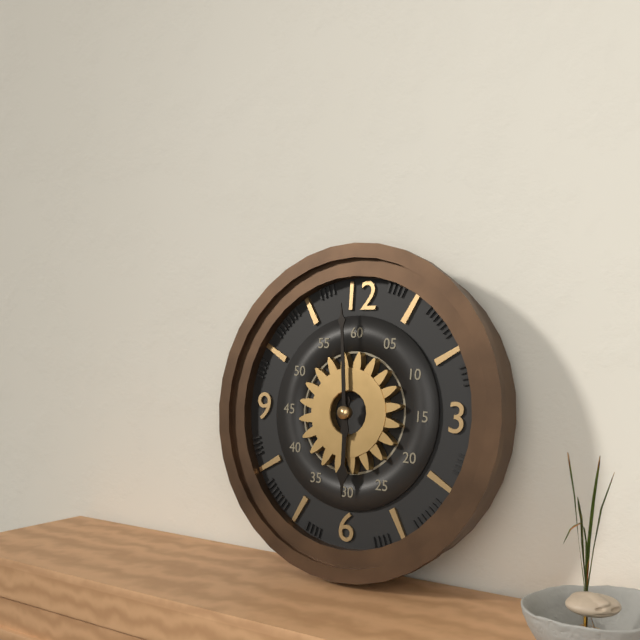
5:59
